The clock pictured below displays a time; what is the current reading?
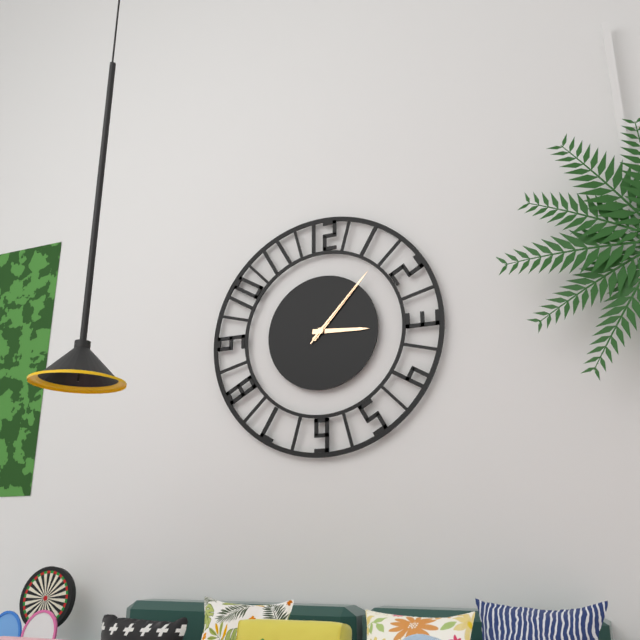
3:07:07
